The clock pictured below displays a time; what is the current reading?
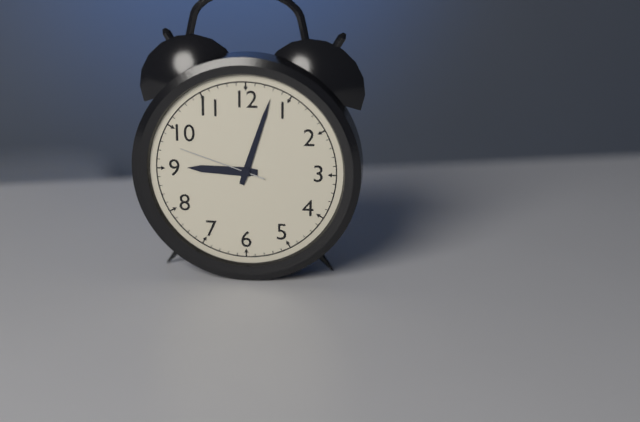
9:03:48
